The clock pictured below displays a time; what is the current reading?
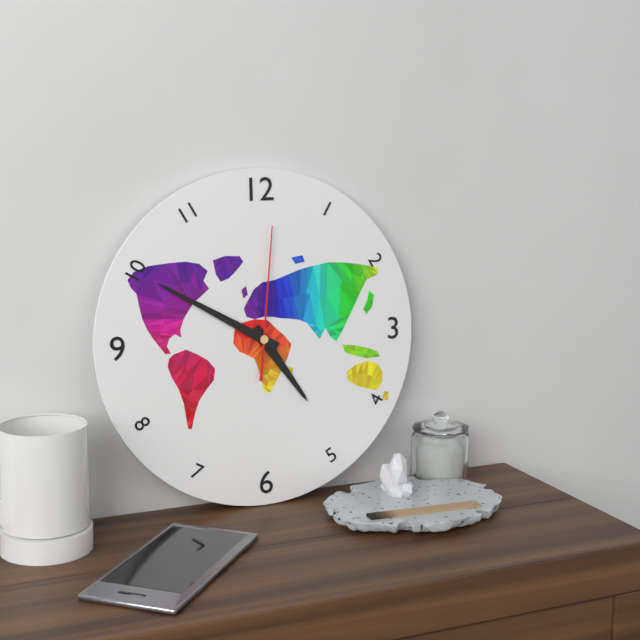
4:50:01
